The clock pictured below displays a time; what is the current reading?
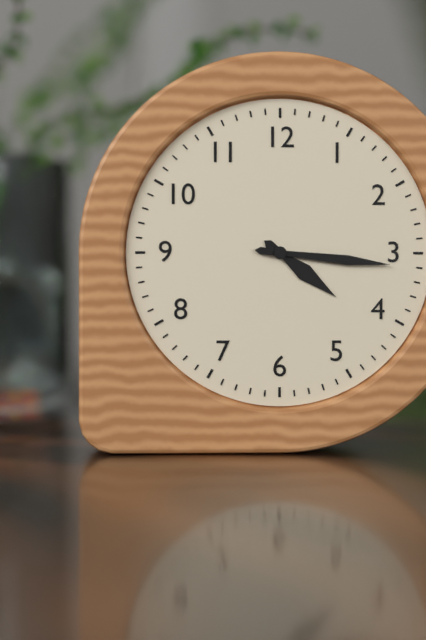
4:16
